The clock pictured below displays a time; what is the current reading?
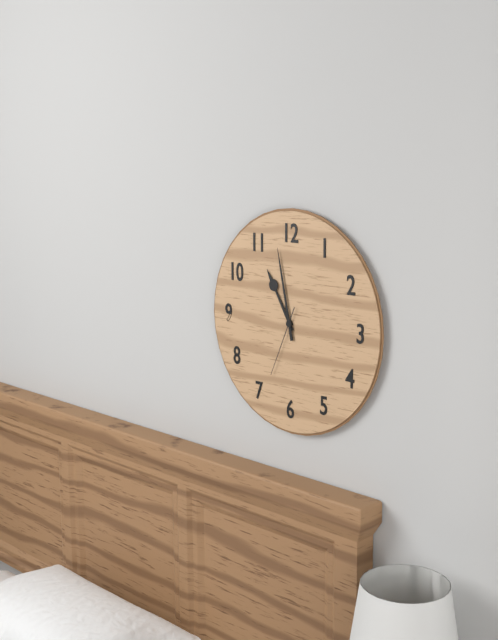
10:58:34
